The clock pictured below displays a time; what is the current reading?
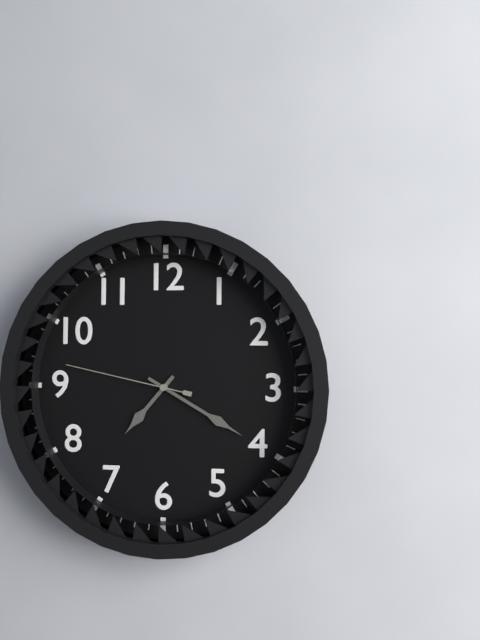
7:20:47
